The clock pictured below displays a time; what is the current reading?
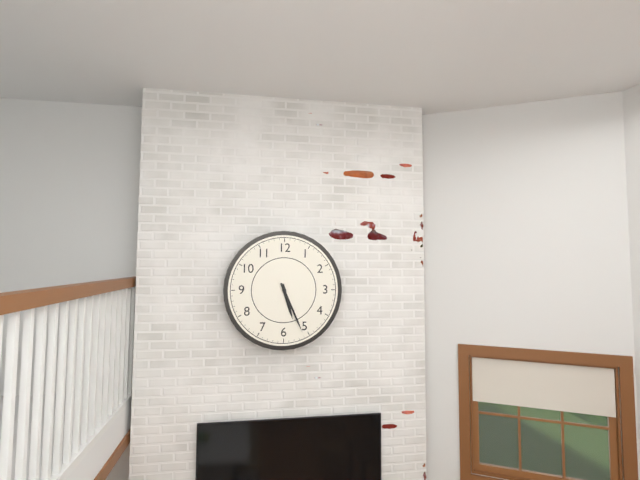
5:26
